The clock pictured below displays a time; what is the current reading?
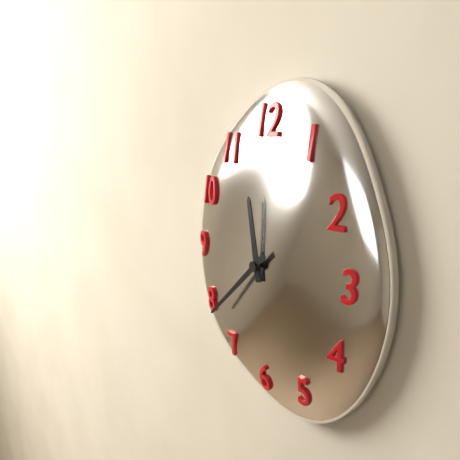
11:38
